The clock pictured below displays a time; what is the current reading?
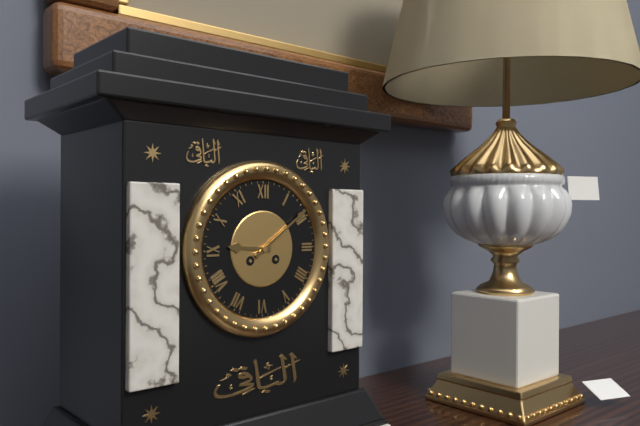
9:09
